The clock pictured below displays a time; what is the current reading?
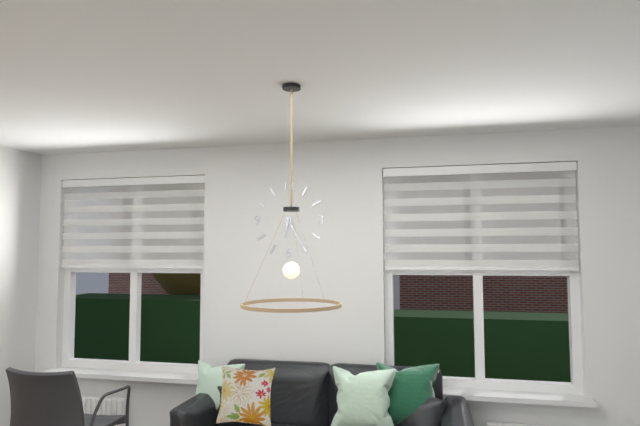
6:25
